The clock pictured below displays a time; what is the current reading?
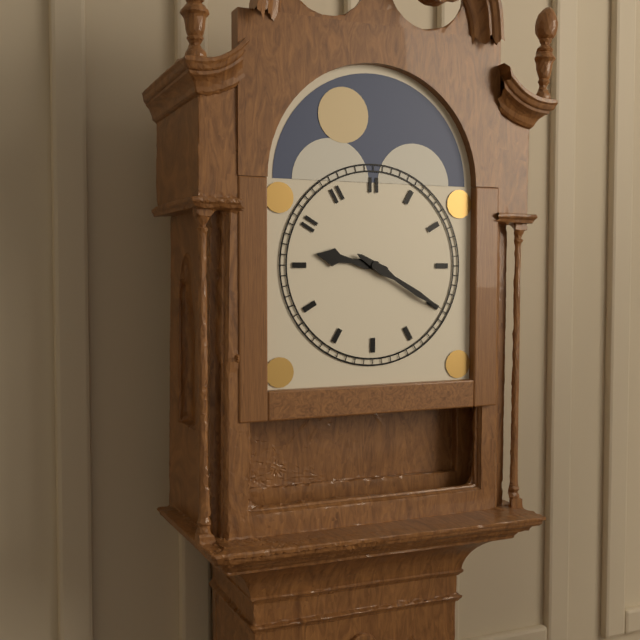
9:20
